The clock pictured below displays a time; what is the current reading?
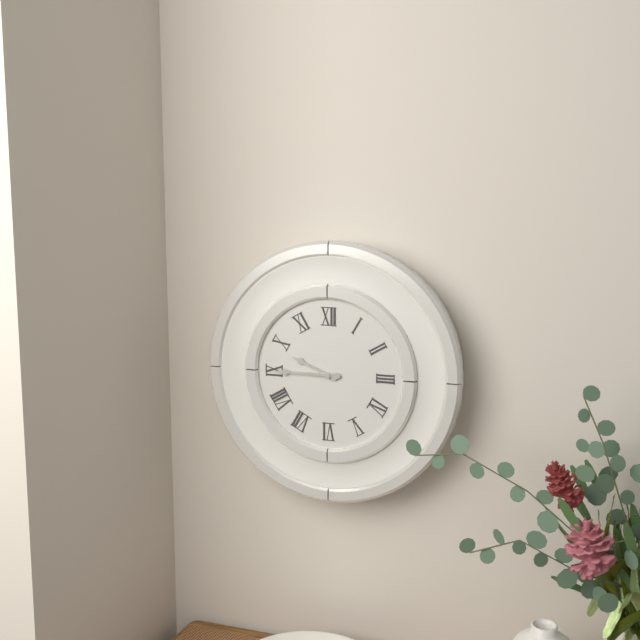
9:45
